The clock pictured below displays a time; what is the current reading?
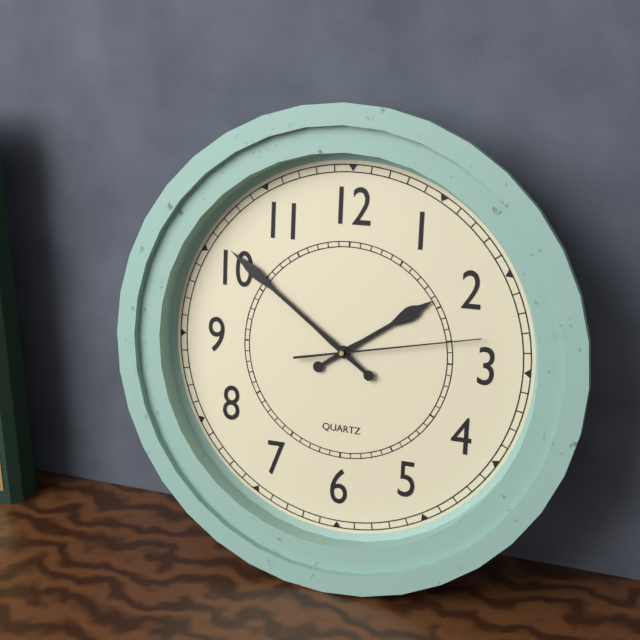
1:51:13
